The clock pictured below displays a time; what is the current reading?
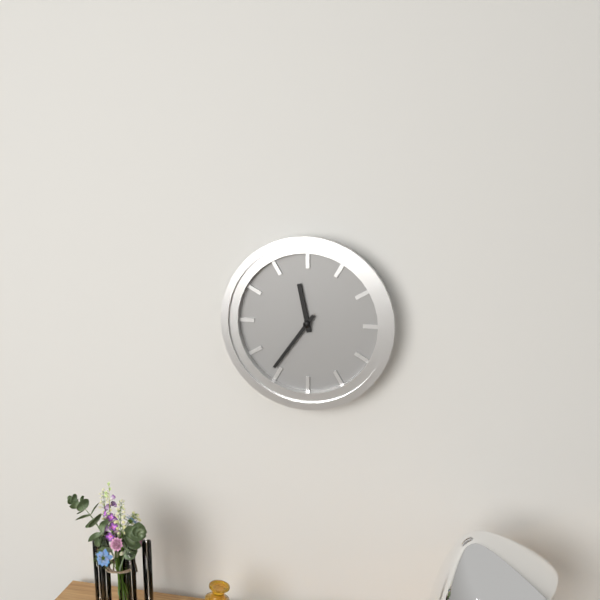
11:36
